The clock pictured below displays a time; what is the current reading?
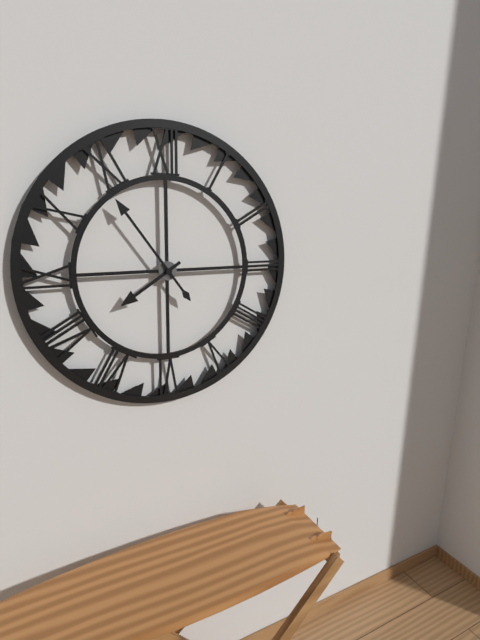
7:54
